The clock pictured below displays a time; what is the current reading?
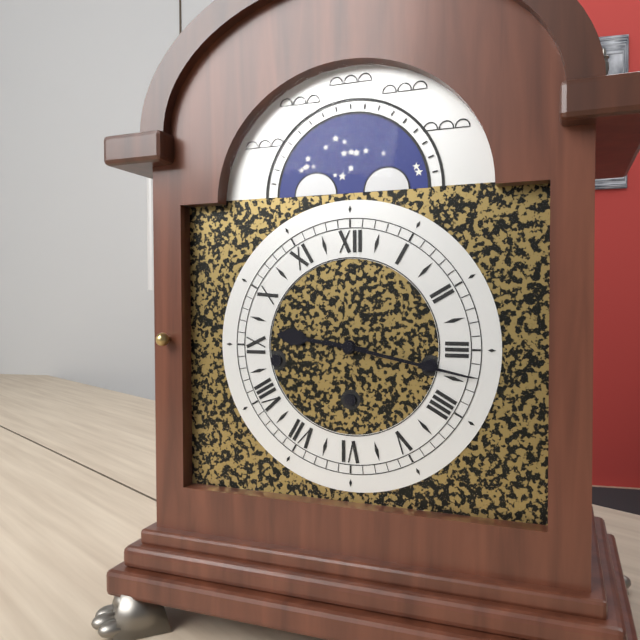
9:17
